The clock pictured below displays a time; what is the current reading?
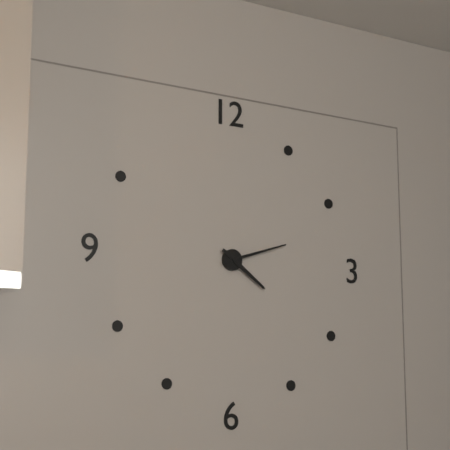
4:12
